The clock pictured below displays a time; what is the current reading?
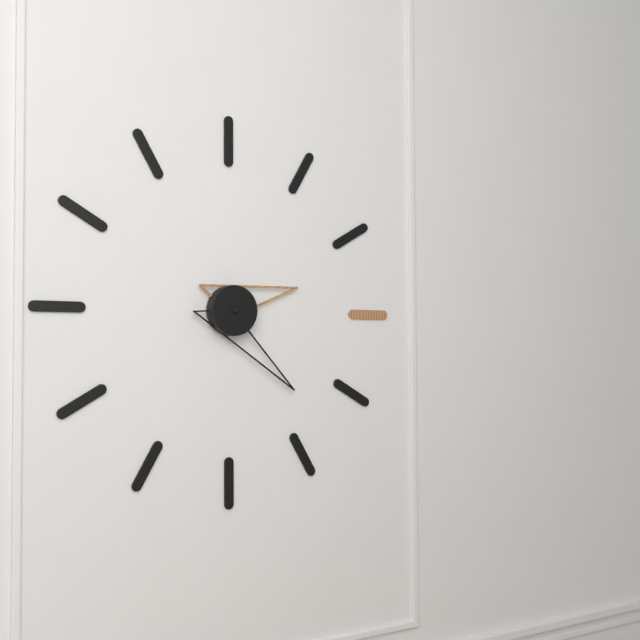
2:23
